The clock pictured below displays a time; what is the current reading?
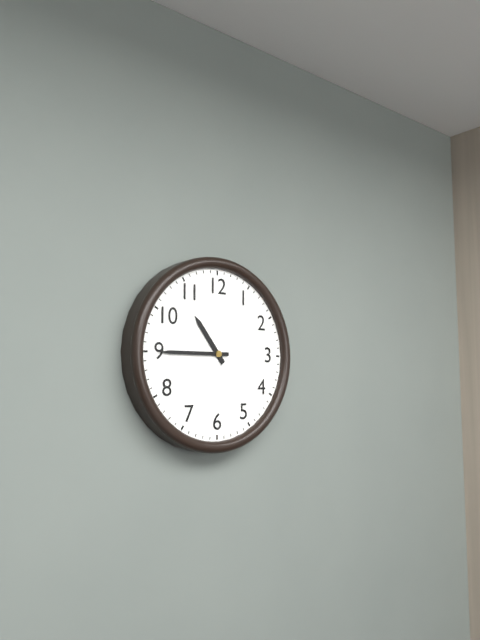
10:45
